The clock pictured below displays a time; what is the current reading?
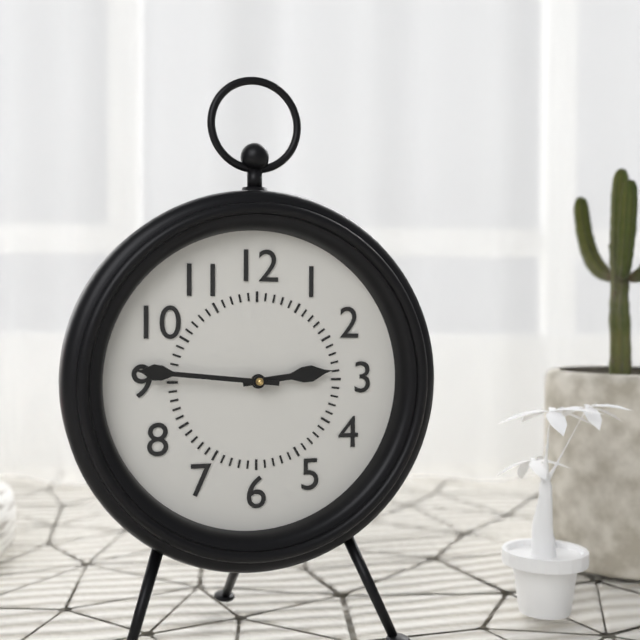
2:46
